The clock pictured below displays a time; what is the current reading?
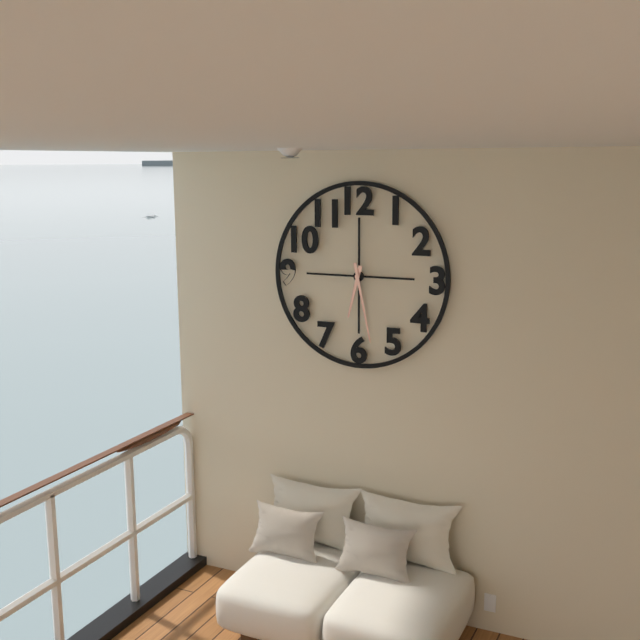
6:28
